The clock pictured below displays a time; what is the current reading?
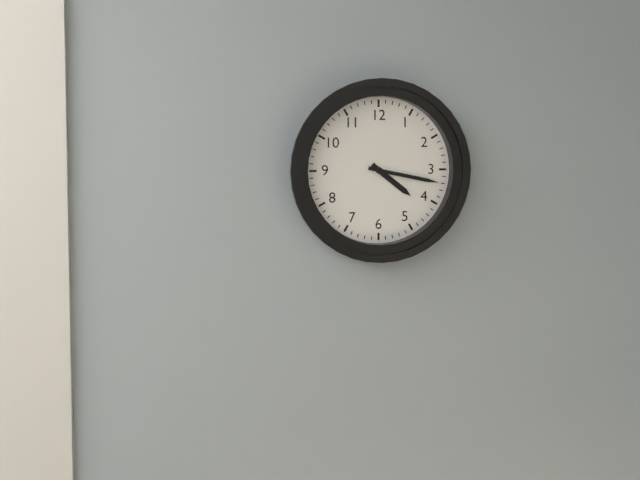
4:17
